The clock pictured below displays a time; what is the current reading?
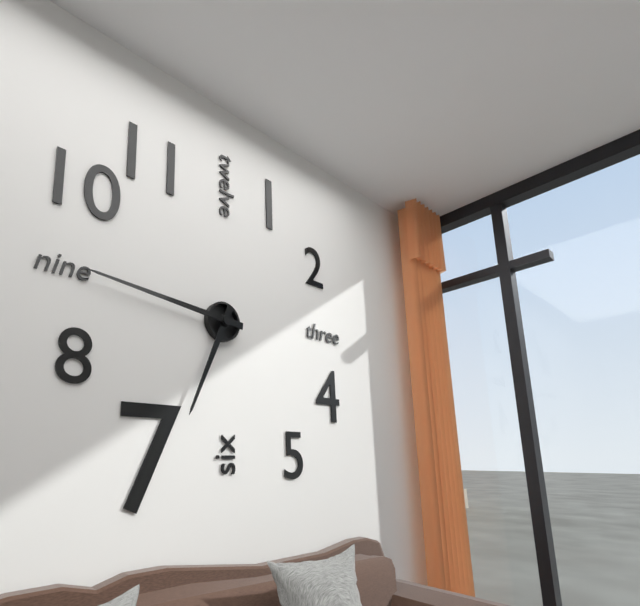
6:46
